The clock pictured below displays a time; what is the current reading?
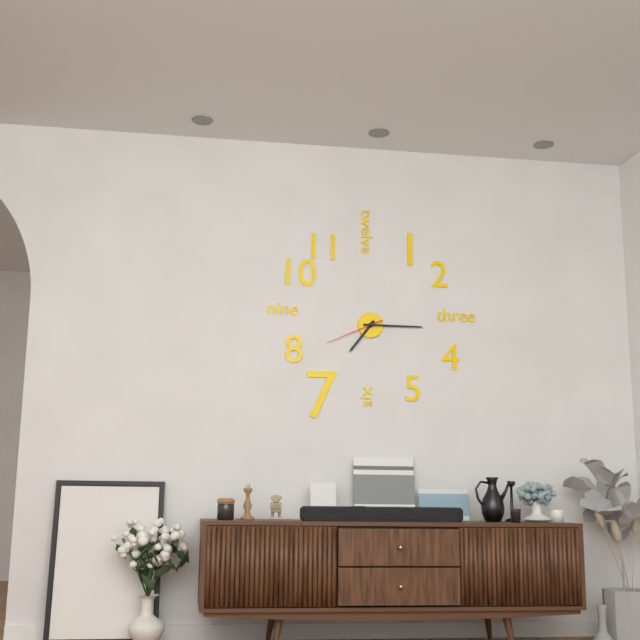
7:15:41
